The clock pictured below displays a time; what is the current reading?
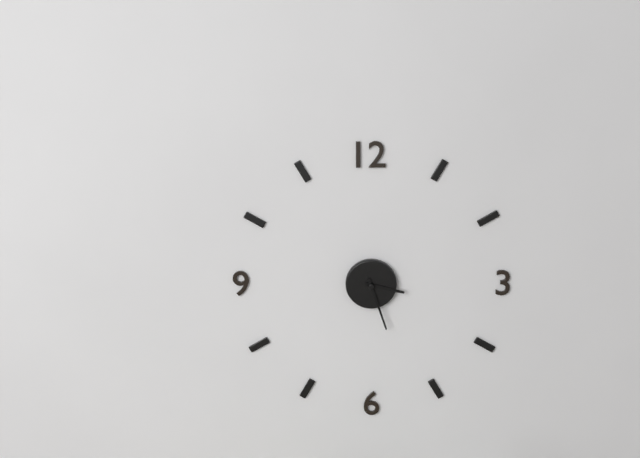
3:27
